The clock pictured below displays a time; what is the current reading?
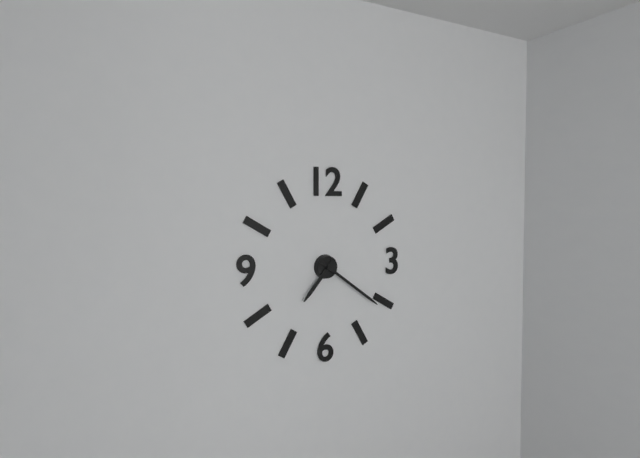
7:21
